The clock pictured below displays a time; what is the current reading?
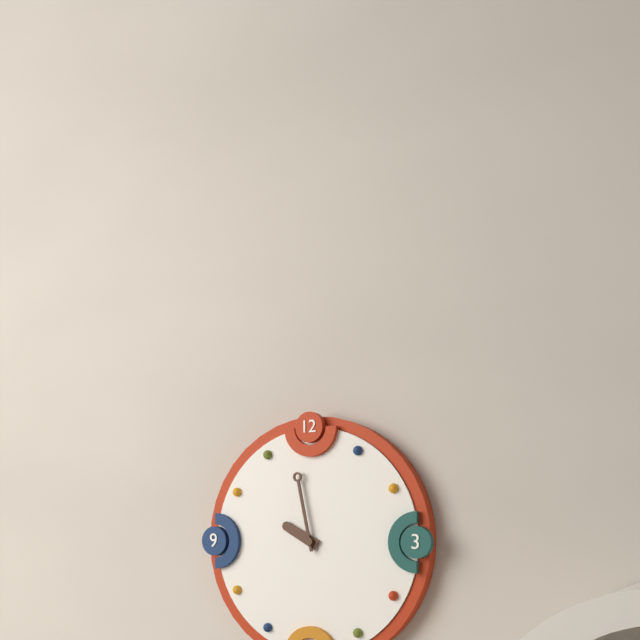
9:58
